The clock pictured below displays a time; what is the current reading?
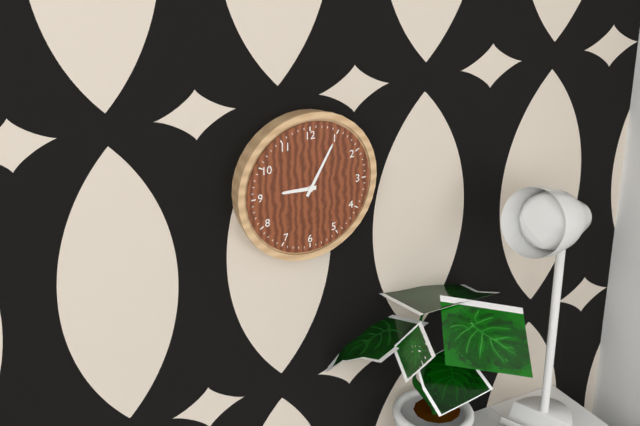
9:05
